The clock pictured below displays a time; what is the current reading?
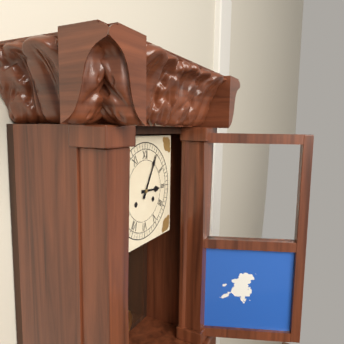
3:05
